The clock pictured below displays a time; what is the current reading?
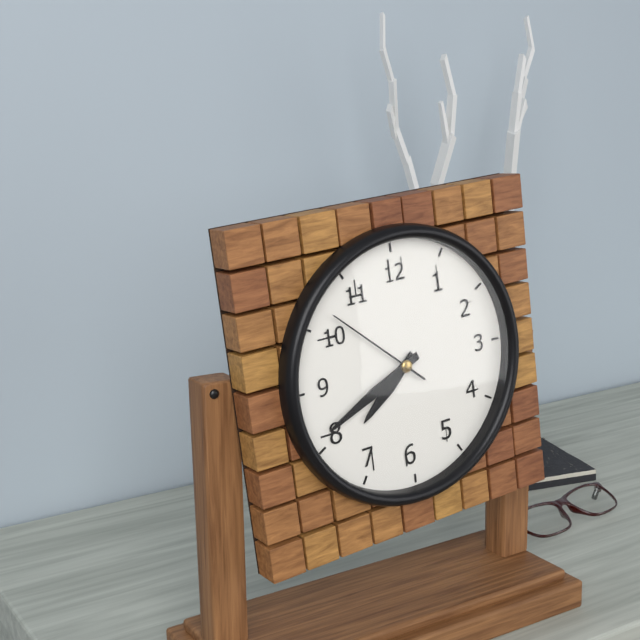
7:41:52
